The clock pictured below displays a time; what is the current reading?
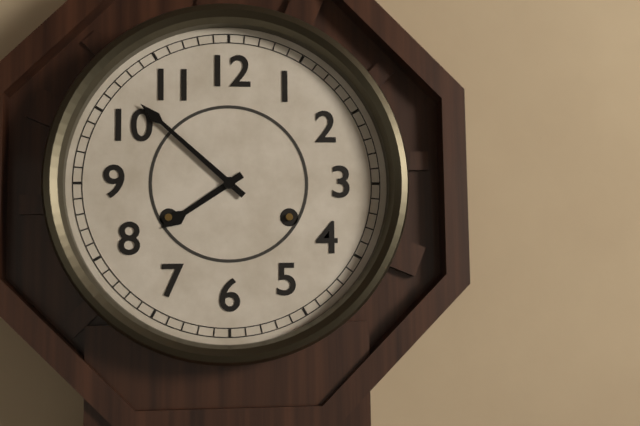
7:52
